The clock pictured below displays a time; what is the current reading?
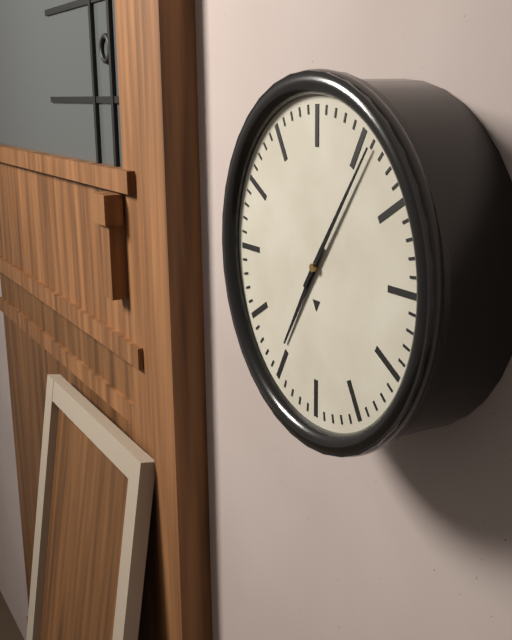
7:06
